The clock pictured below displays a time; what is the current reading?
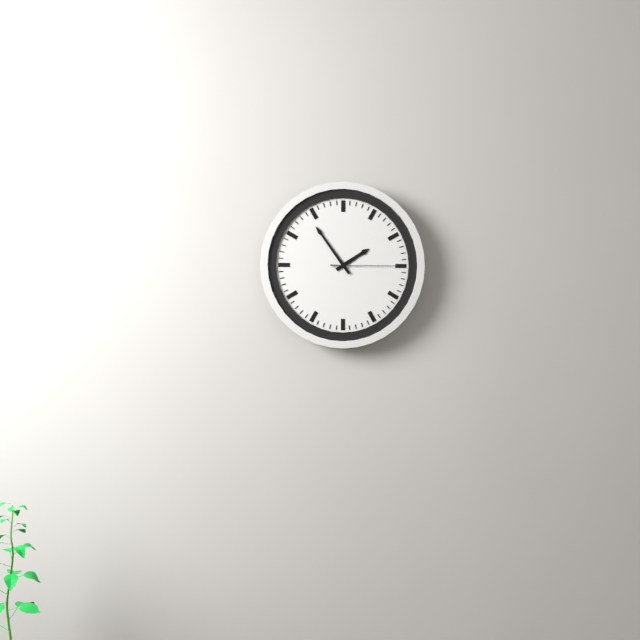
1:54:15
